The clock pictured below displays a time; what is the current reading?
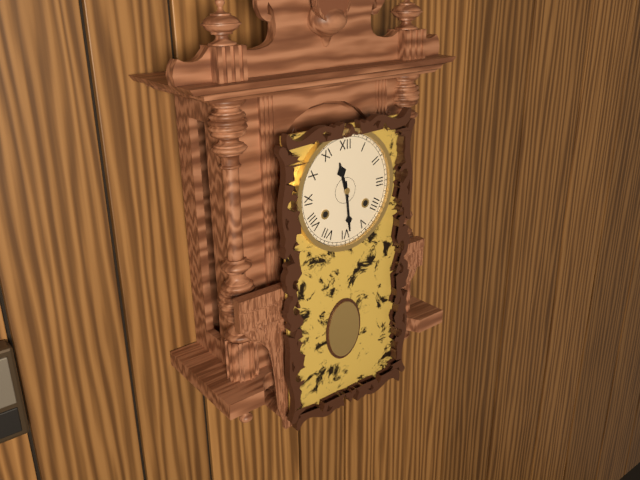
11:29
